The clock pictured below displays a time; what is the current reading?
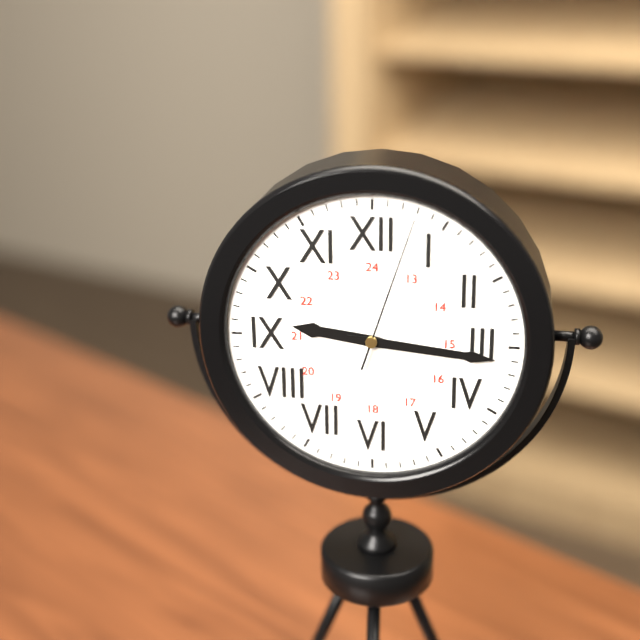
9:16:03
